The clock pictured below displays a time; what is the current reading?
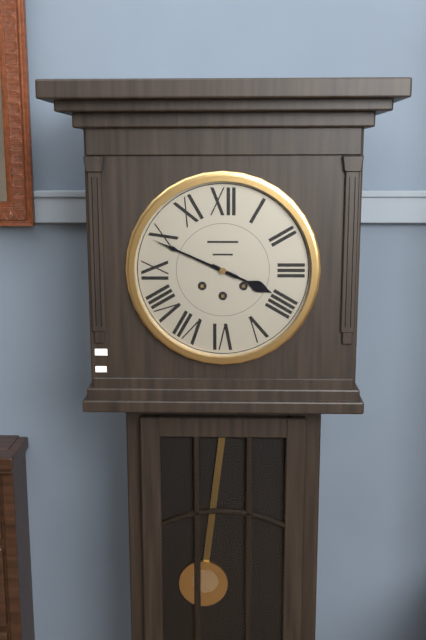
3:49
